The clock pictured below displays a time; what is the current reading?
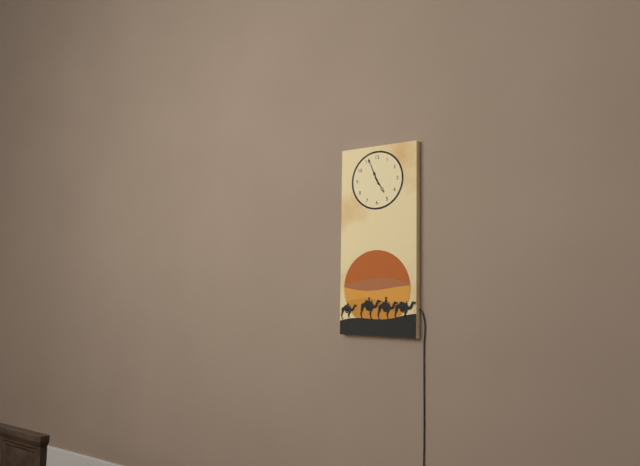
4:56
